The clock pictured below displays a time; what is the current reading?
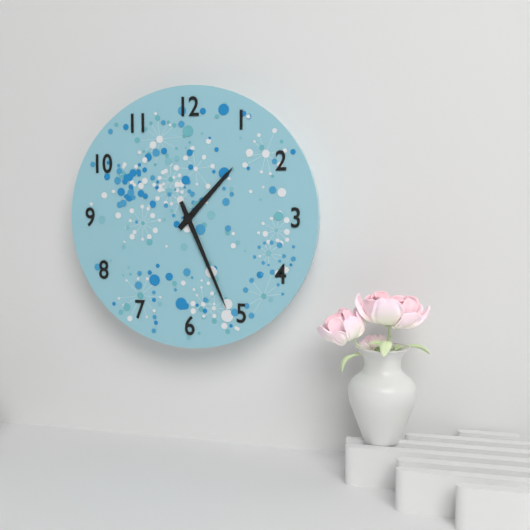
1:26
